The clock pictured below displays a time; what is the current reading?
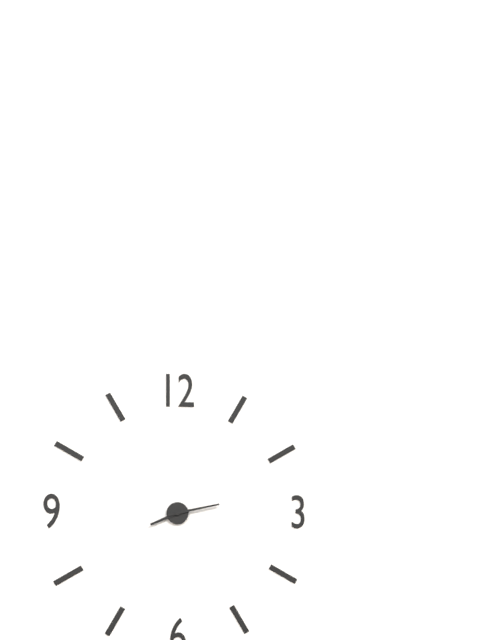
8:13
